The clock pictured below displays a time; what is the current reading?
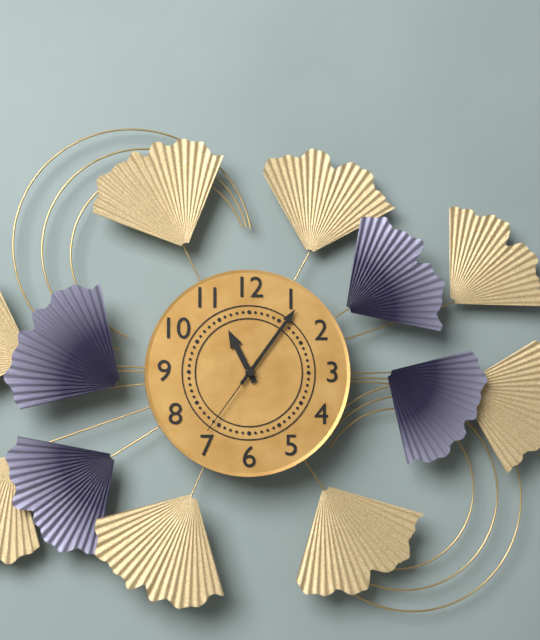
11:06:36
